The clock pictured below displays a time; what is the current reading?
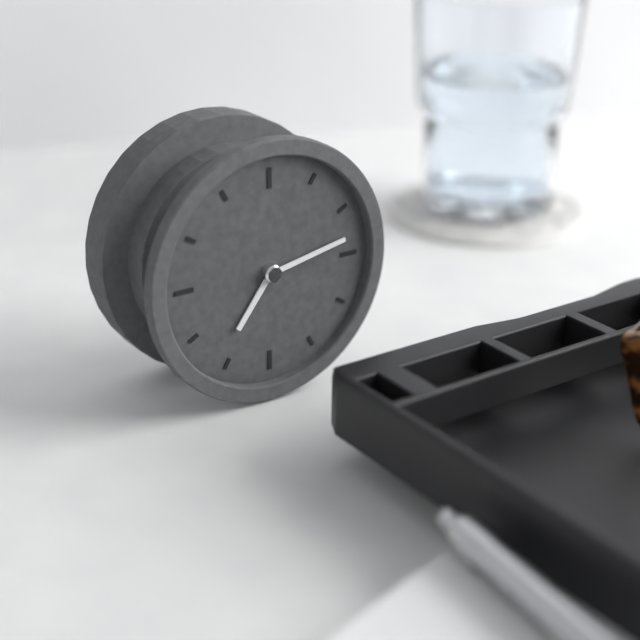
7:13
